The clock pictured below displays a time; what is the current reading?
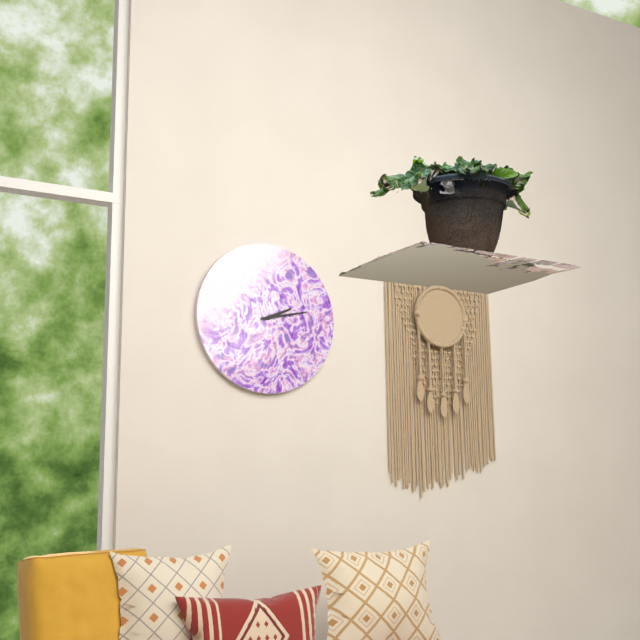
2:13
